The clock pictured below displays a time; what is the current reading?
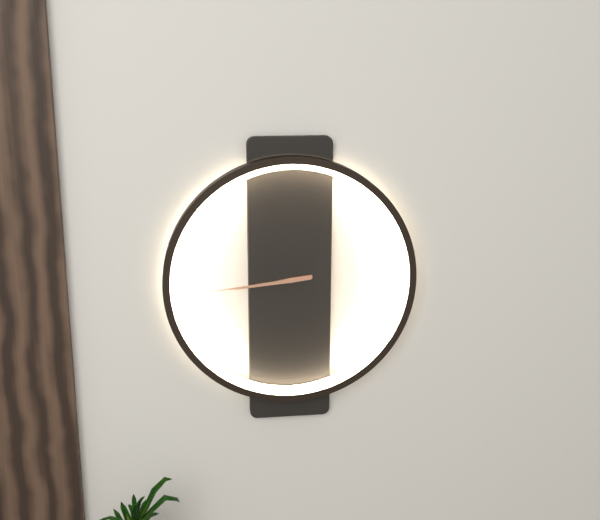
8:44
